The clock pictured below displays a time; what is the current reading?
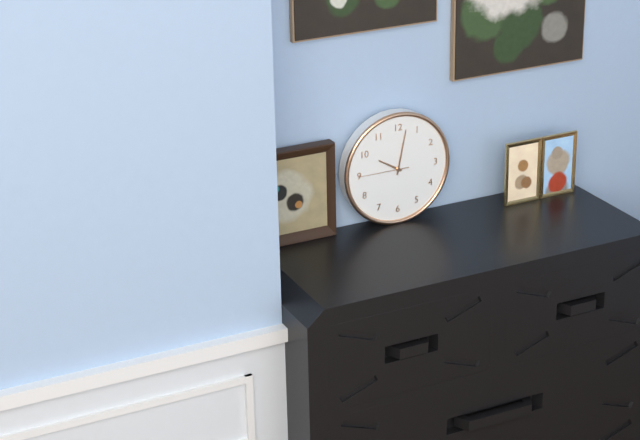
10:02:45
